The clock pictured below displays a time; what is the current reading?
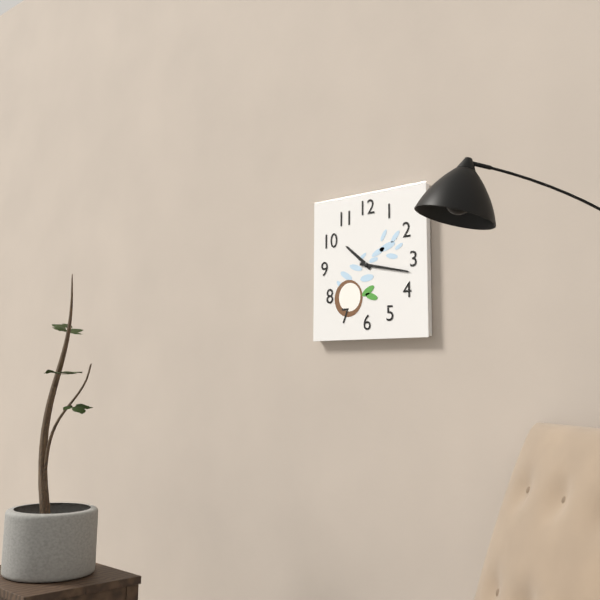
10:17
